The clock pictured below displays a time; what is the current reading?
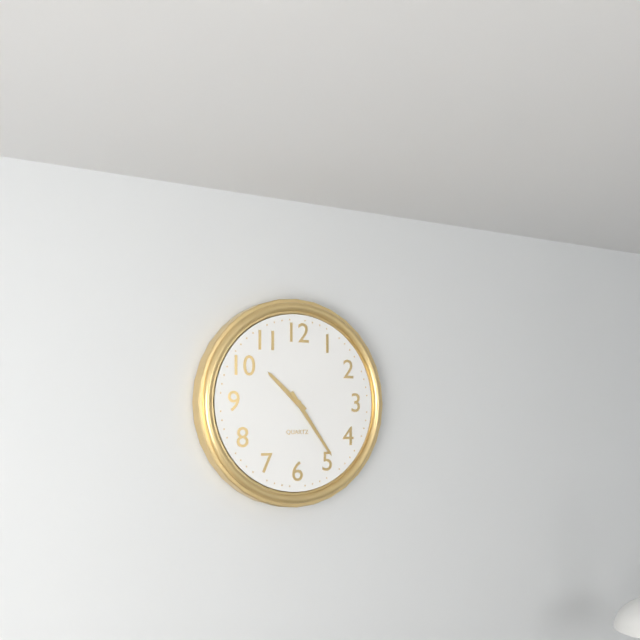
10:24
